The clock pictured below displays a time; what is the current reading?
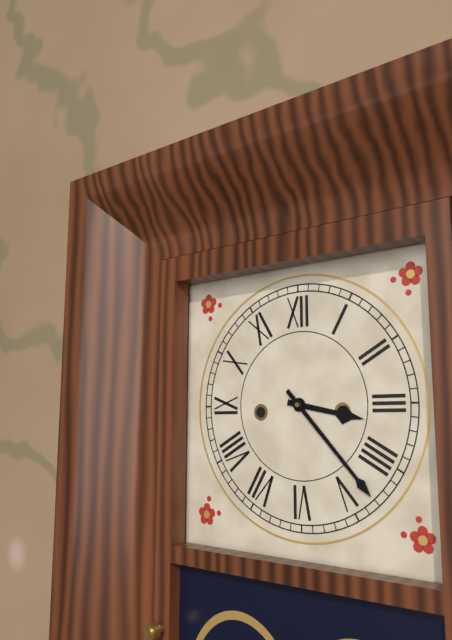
3:23
